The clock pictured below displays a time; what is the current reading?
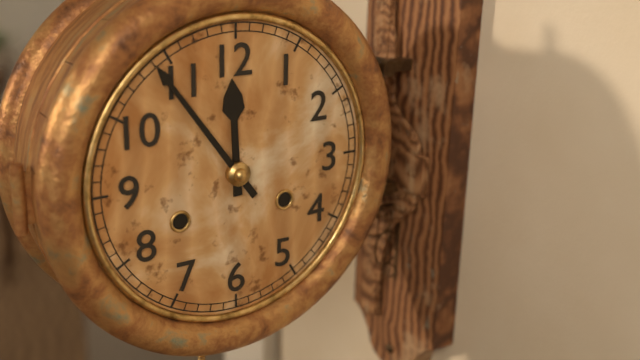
11:54
